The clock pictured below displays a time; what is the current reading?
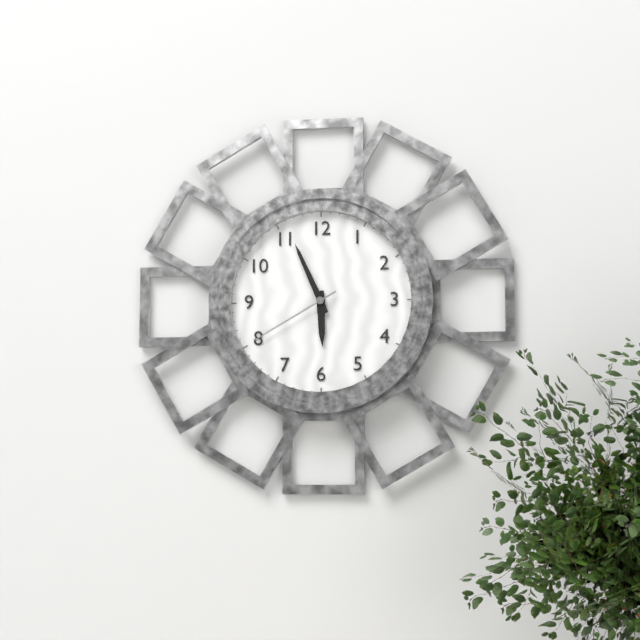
5:56:40
